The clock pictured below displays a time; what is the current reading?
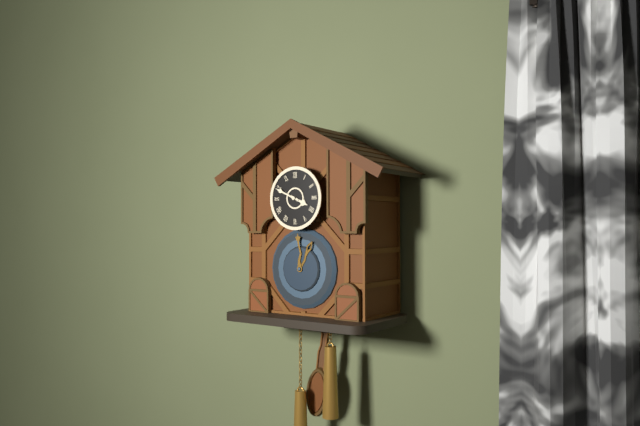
3:49
